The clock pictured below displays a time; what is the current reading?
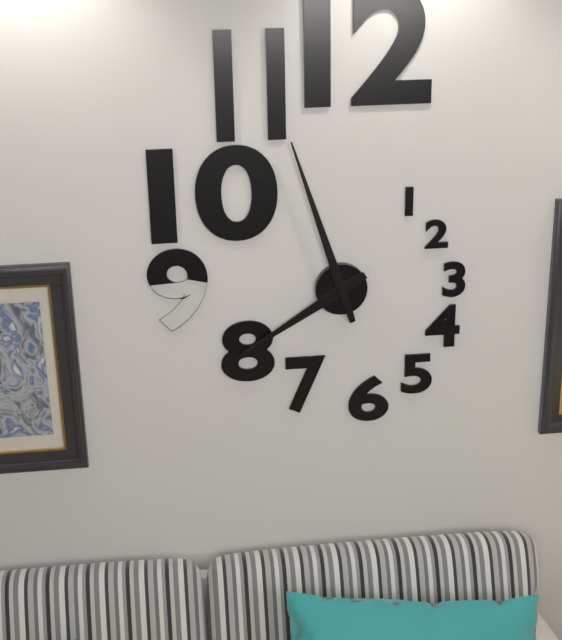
7:57
